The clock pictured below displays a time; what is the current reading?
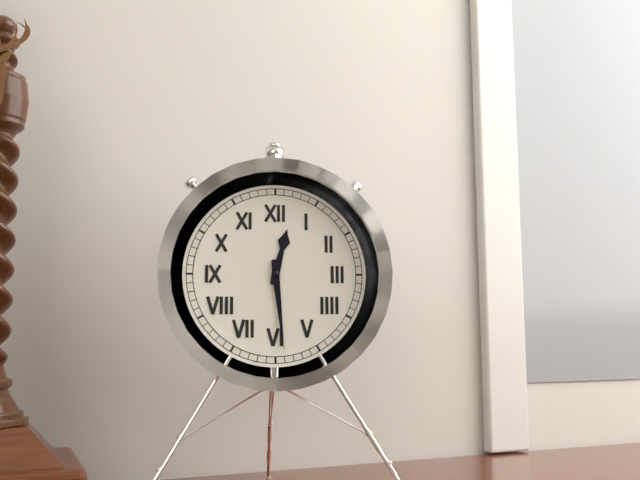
12:29
